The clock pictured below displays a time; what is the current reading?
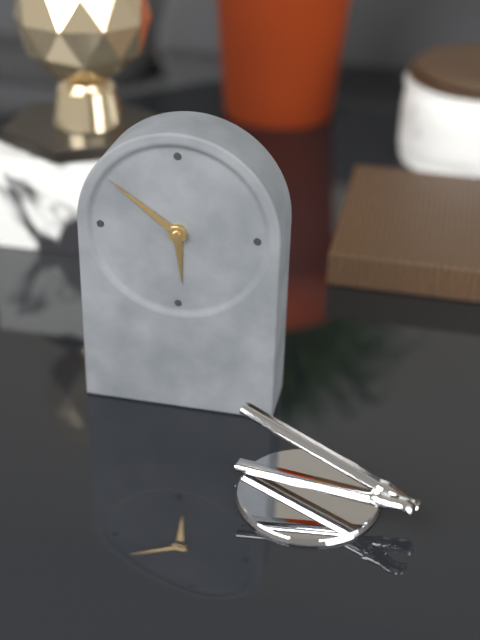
5:51
